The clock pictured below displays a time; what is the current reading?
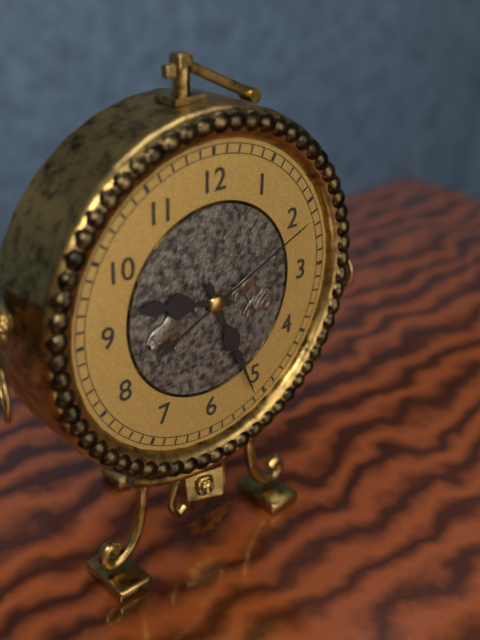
9:26:11
